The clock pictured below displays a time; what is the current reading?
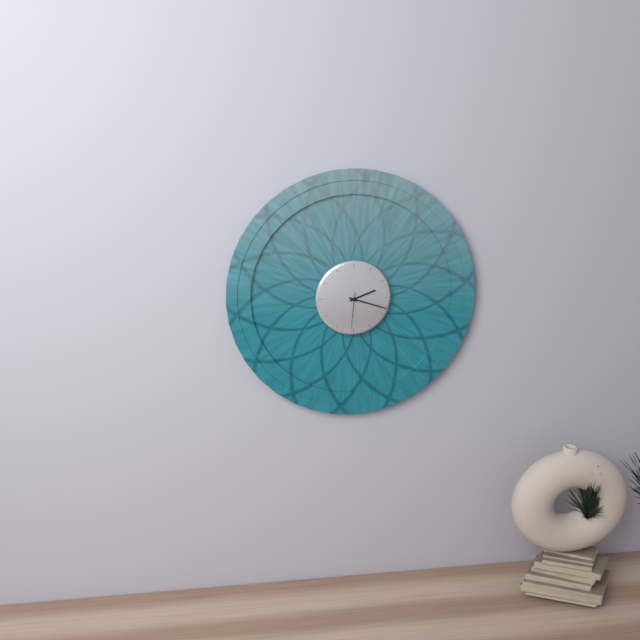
2:18
